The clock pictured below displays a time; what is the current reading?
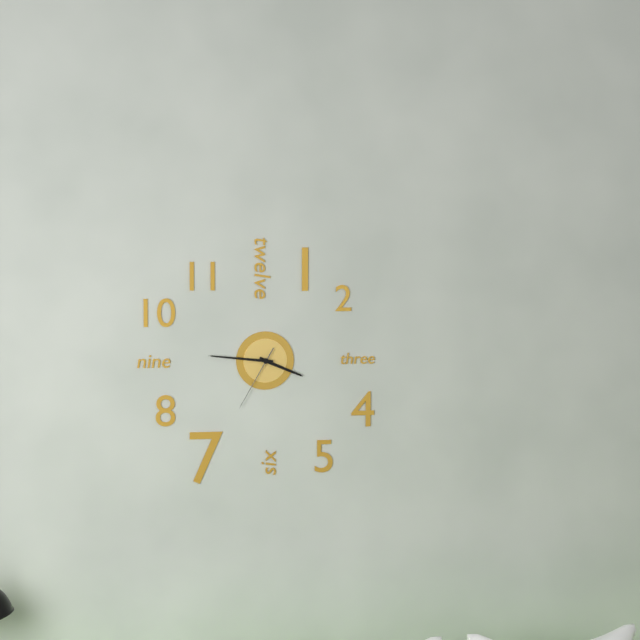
3:46:35
